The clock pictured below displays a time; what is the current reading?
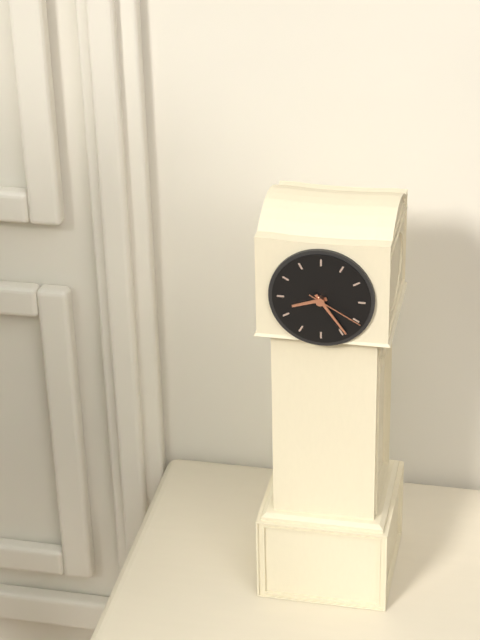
8:24:20
